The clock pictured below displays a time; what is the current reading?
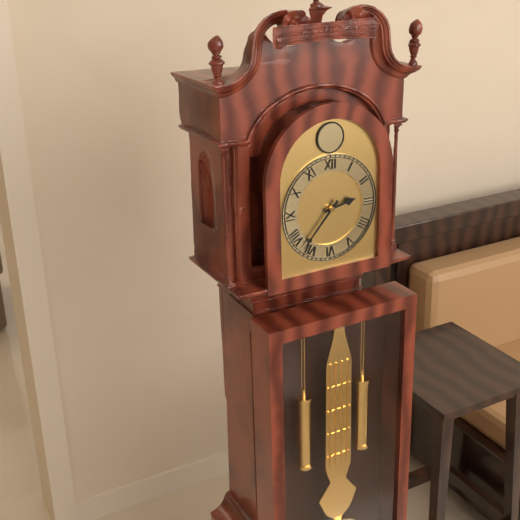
2:37
